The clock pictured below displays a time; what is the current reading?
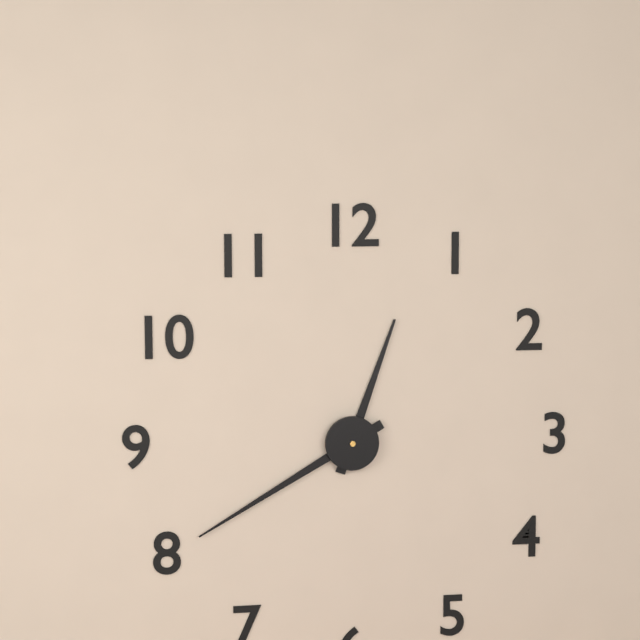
12:40
